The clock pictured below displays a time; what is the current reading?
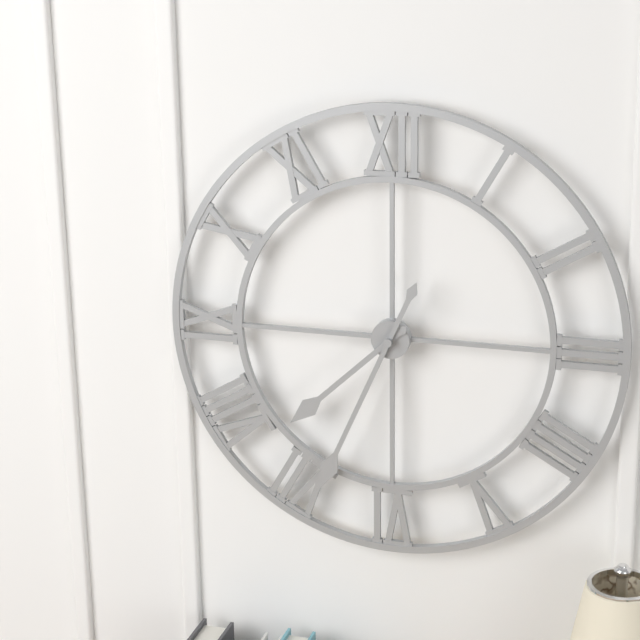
7:34
